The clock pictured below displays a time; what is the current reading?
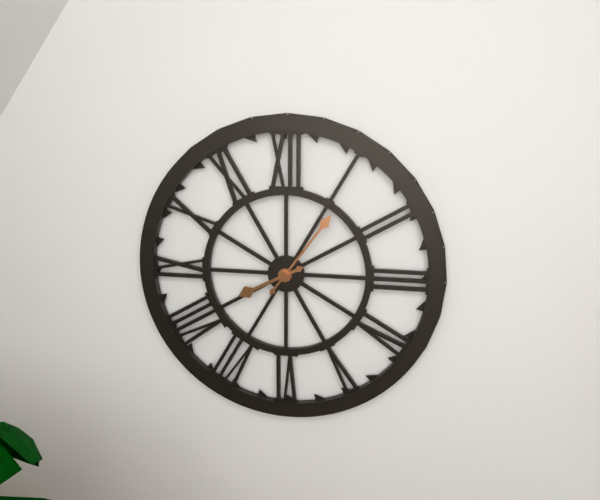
8:06
